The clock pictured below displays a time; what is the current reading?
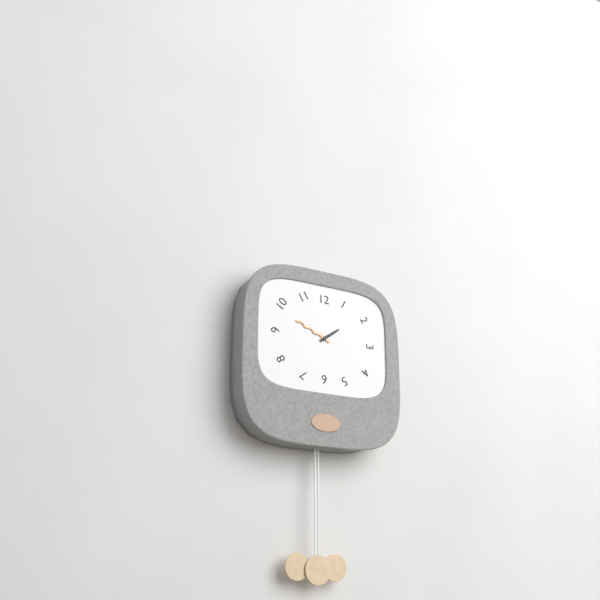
1:49
